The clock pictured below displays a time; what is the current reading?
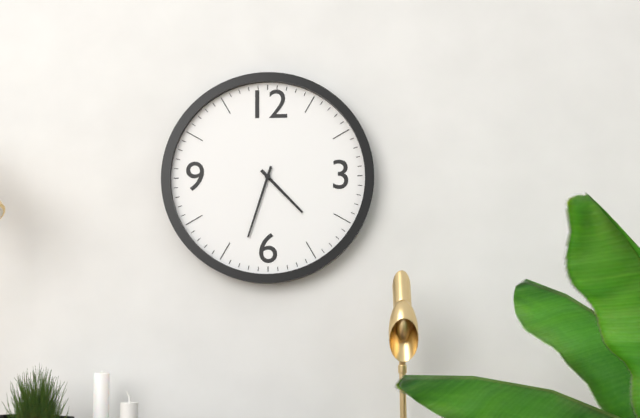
4:33
